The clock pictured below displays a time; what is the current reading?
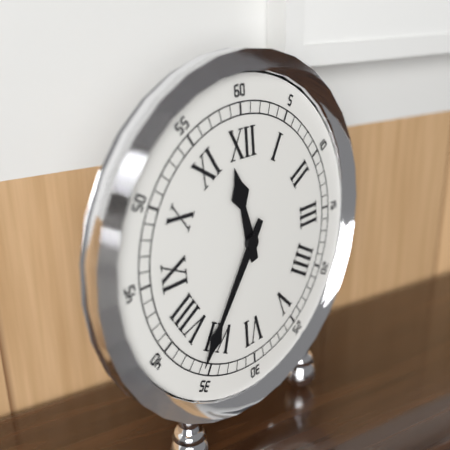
11:36
